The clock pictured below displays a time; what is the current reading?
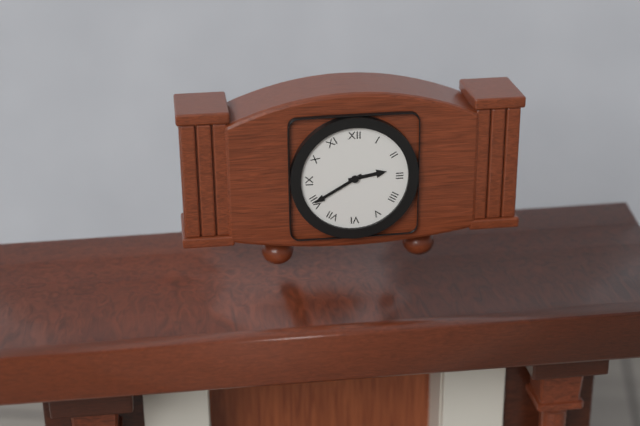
2:40
